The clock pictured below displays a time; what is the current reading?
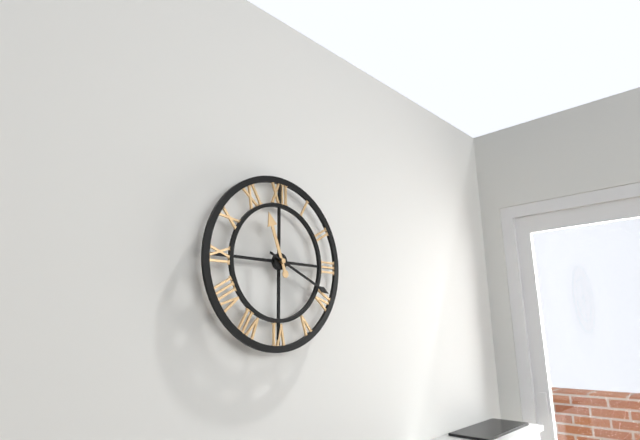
11:19
